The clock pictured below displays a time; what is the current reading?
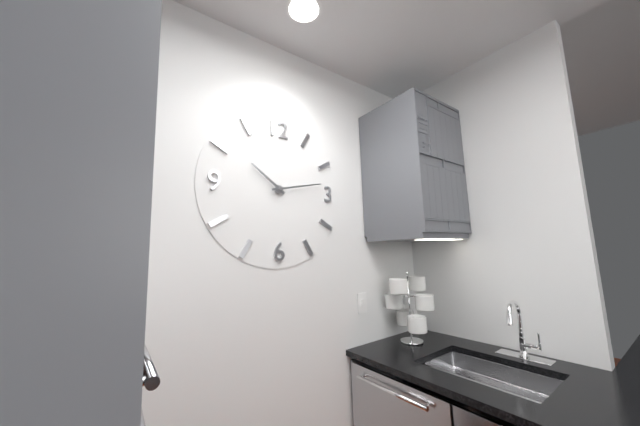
10:13
